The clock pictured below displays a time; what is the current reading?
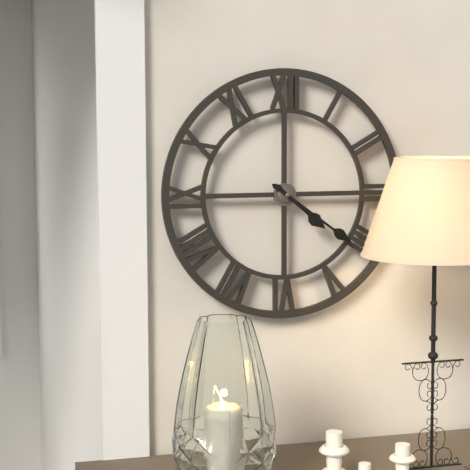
4:21
